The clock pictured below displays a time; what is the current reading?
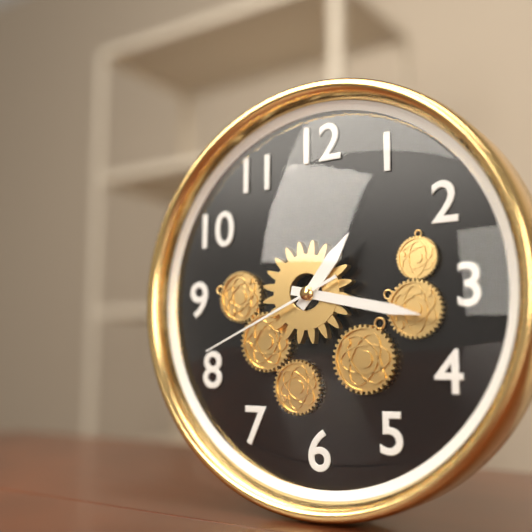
1:17:41
